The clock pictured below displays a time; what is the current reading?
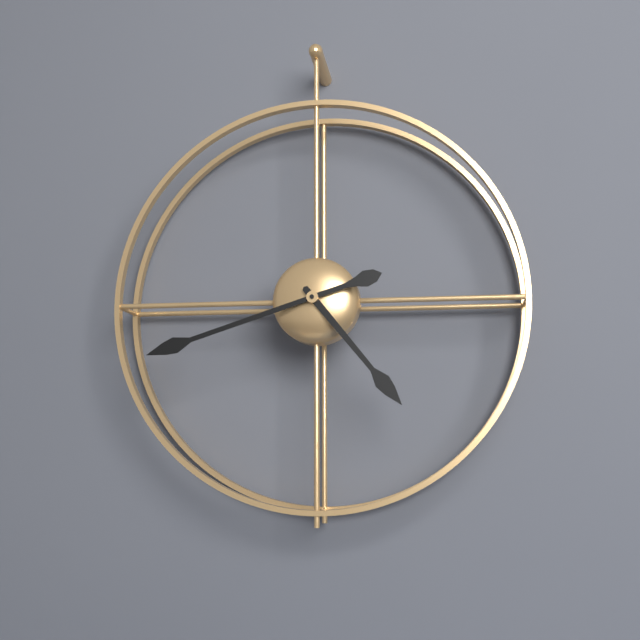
4:42
